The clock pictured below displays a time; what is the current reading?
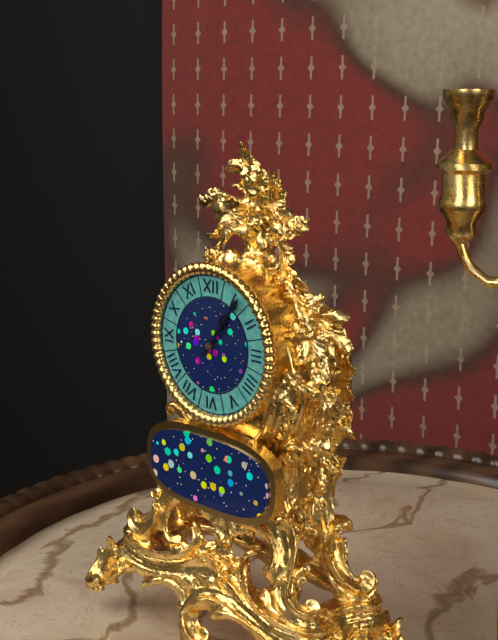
1:06
